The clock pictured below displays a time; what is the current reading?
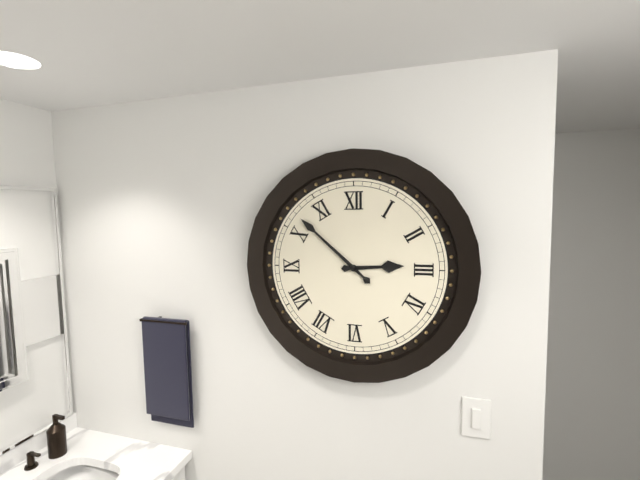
2:52
